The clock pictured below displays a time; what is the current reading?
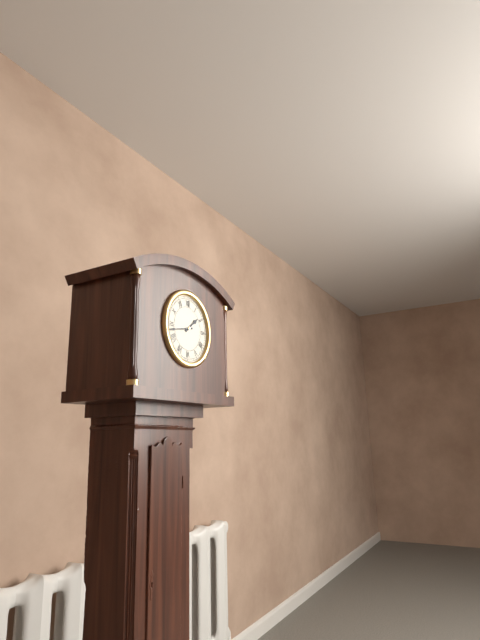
1:43
